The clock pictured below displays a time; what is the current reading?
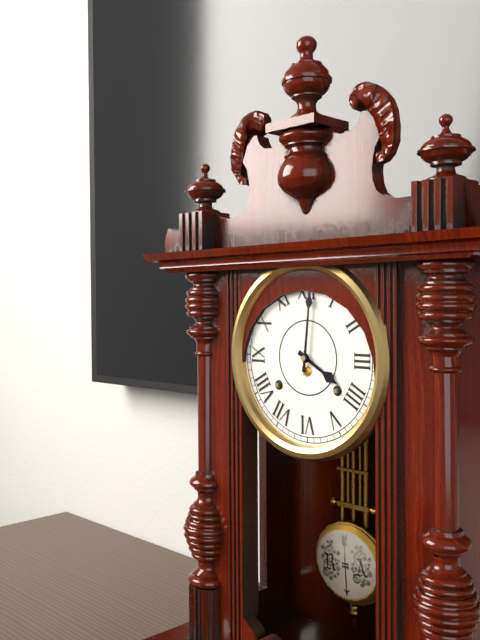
4:01
